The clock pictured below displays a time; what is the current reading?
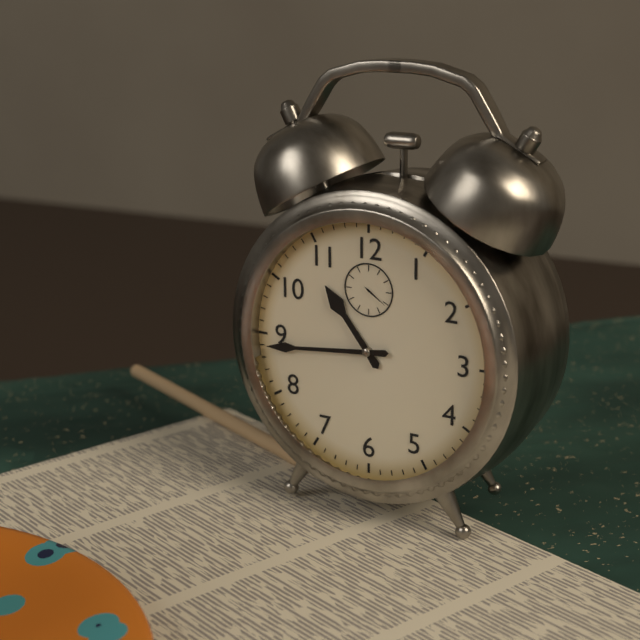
10:44
